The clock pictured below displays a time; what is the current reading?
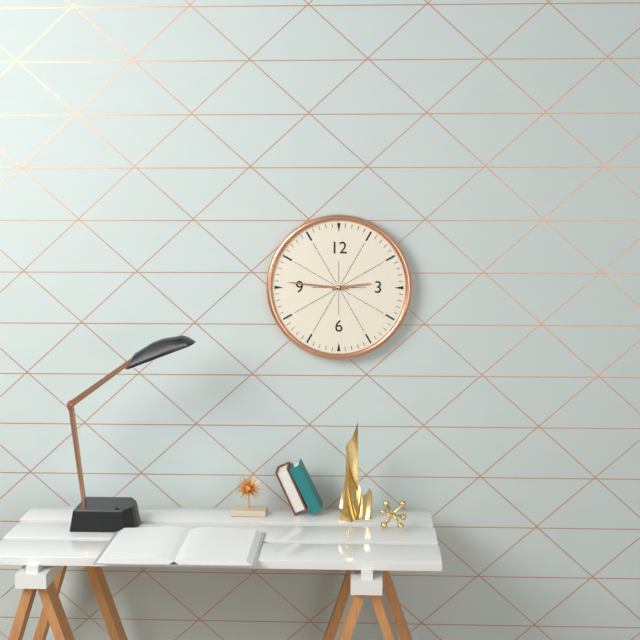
2:46
